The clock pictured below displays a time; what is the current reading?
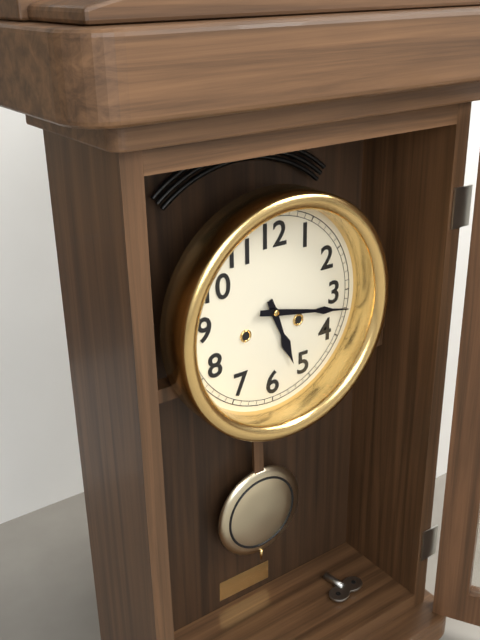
5:17
